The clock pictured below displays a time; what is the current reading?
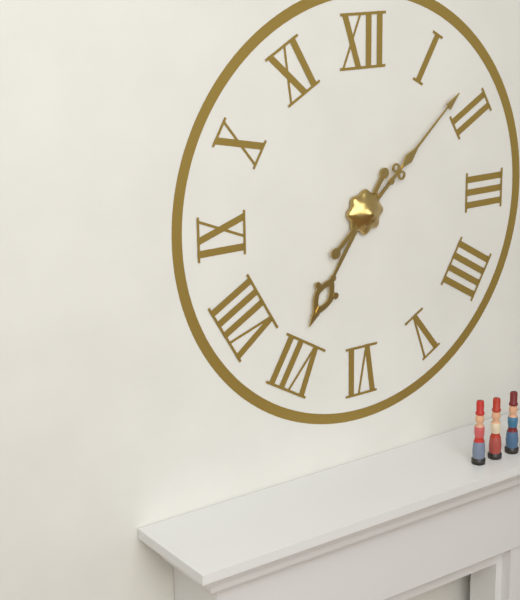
7:08
